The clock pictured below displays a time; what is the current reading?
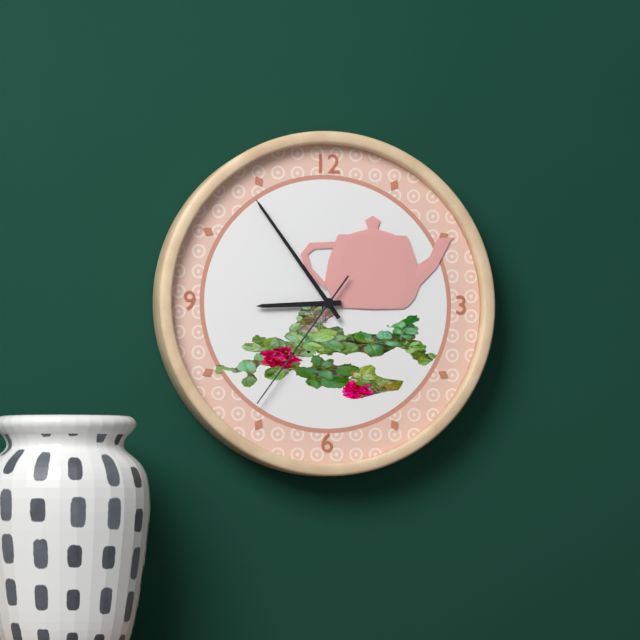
8:54:36
